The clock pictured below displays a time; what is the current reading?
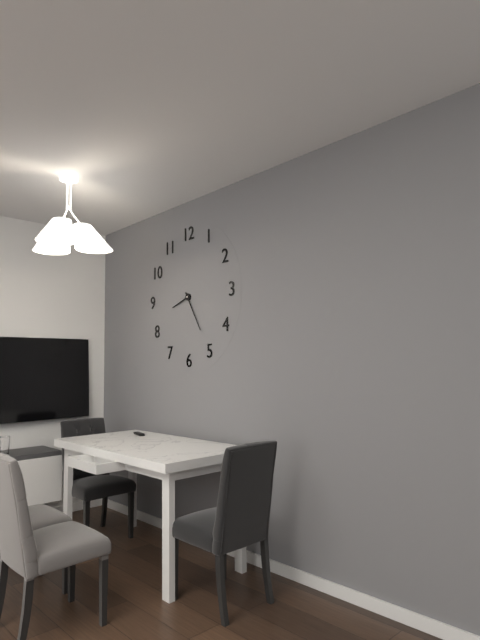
8:25
